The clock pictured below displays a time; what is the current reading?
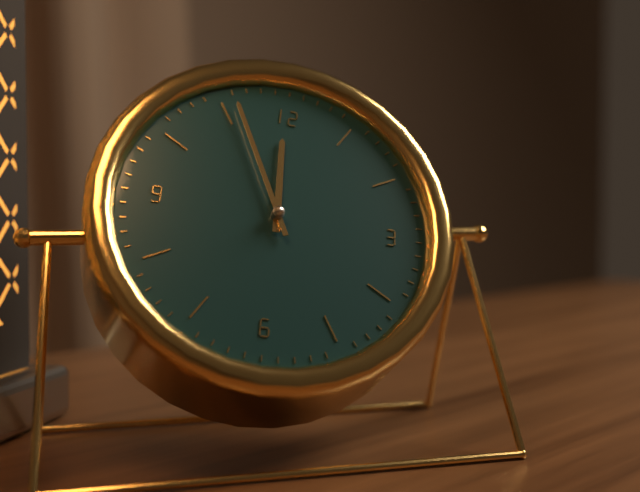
11:56
